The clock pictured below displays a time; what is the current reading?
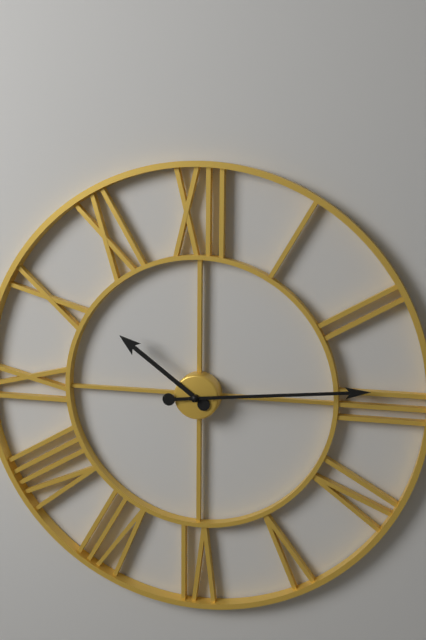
10:14
